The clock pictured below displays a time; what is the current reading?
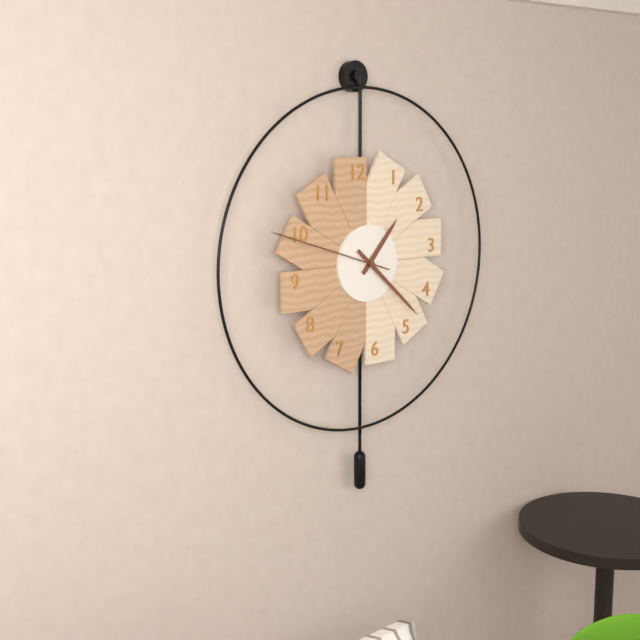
1:22:48
